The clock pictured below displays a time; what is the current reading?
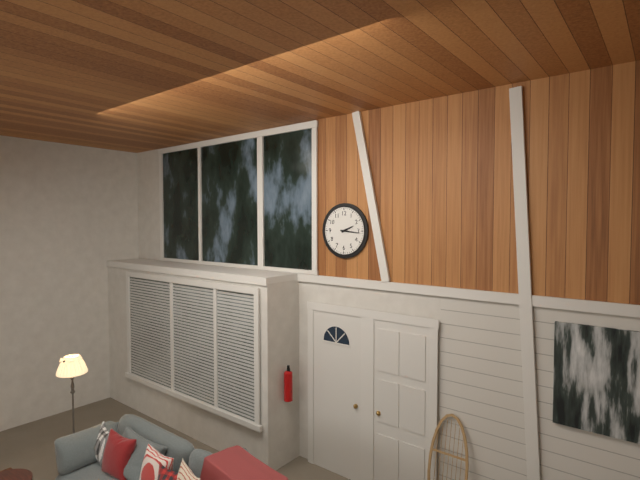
2:16
